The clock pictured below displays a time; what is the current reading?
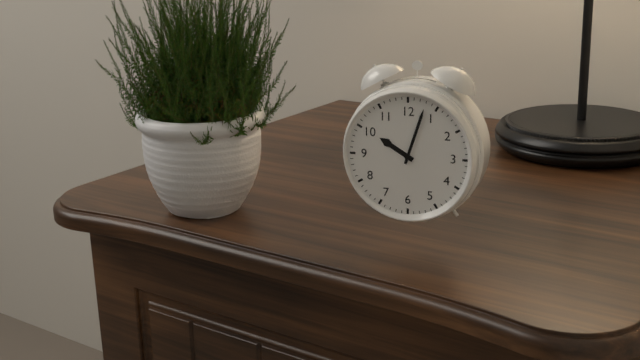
10:03
